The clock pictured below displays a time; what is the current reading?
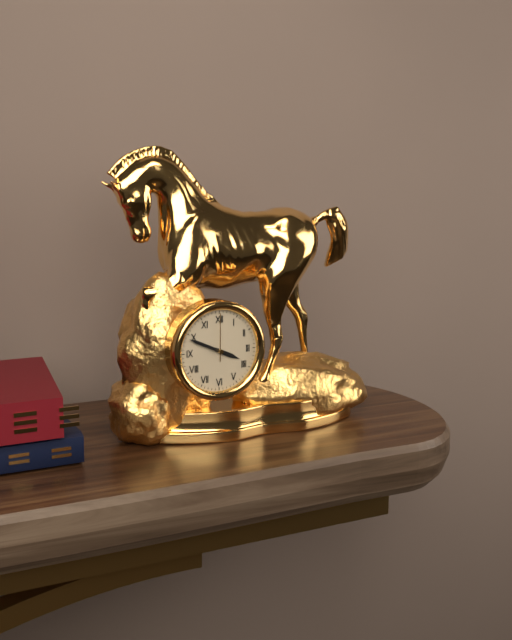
3:49
